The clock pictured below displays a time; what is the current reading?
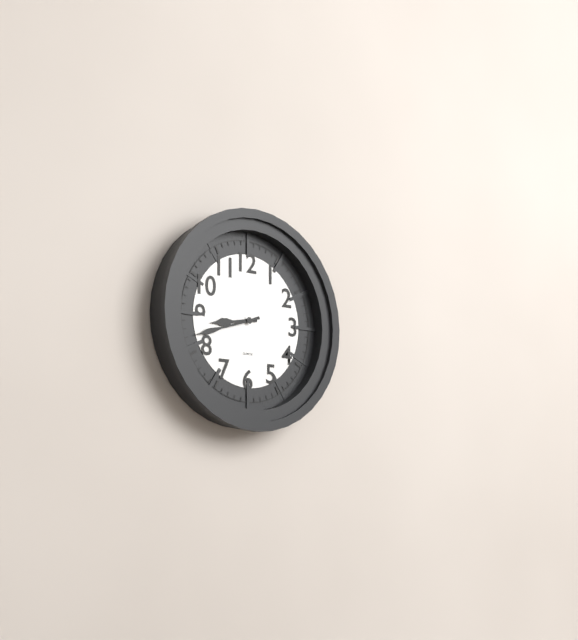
8:42
